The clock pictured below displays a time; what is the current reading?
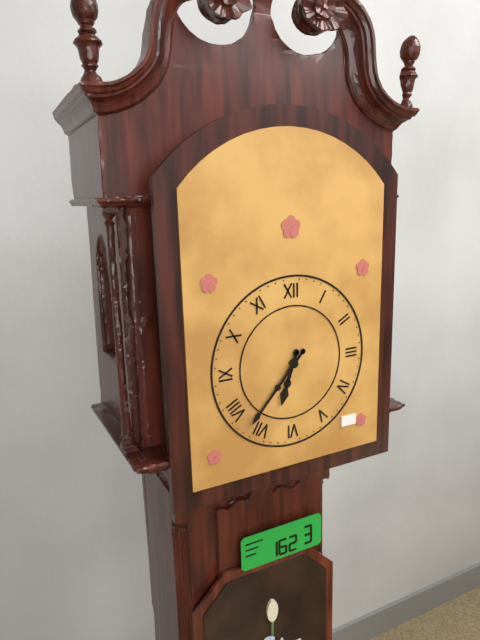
6:37
